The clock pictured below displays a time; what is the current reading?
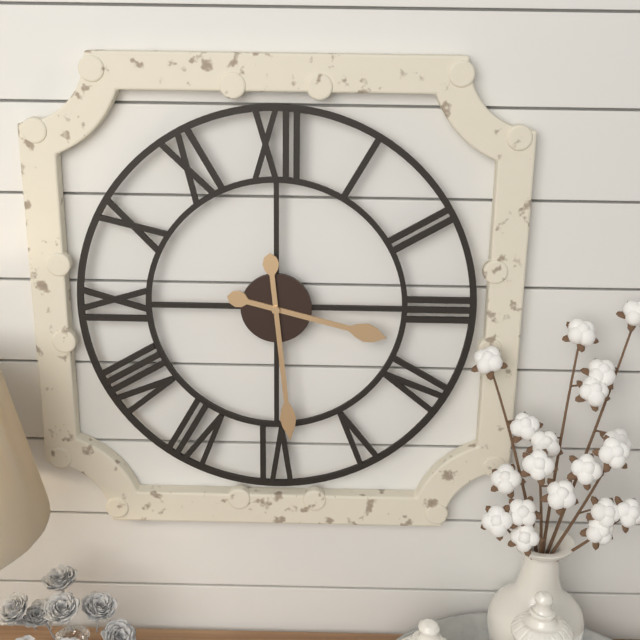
3:29
